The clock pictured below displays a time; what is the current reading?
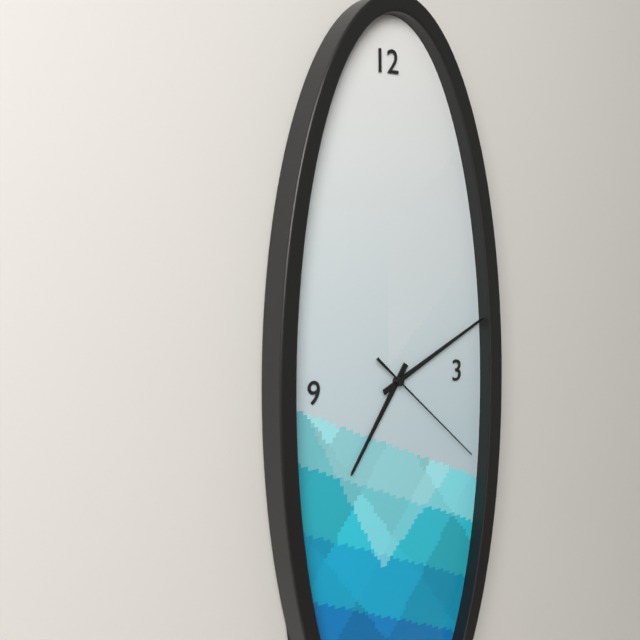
7:11:22
